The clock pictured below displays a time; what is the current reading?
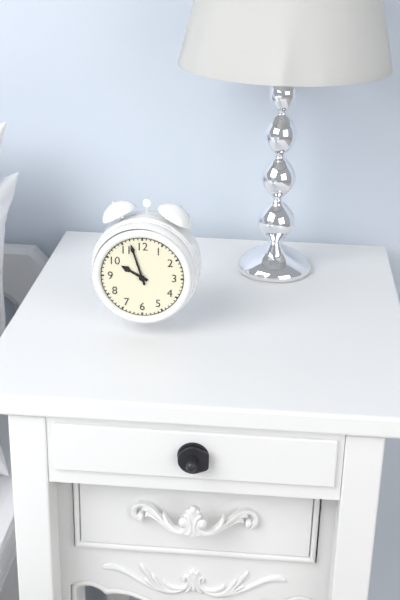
9:57
